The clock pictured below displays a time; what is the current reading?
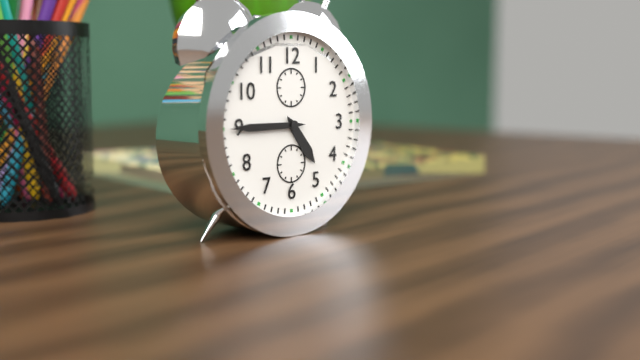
4:45
